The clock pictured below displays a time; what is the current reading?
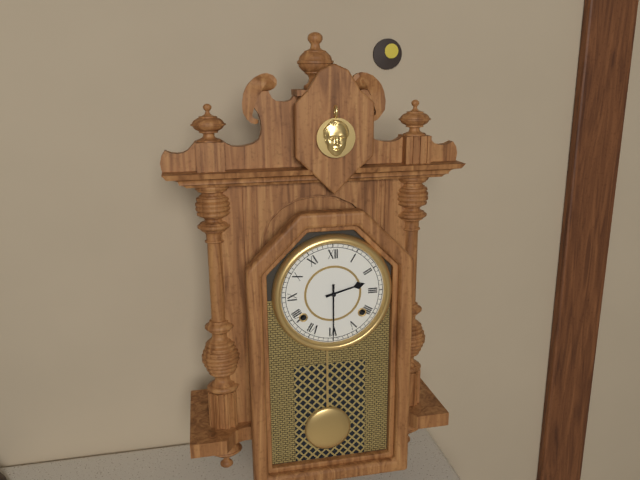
2:30
